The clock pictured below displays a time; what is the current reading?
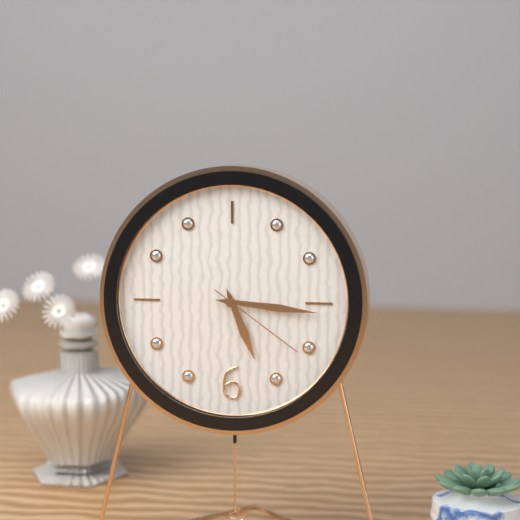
5:16:21
